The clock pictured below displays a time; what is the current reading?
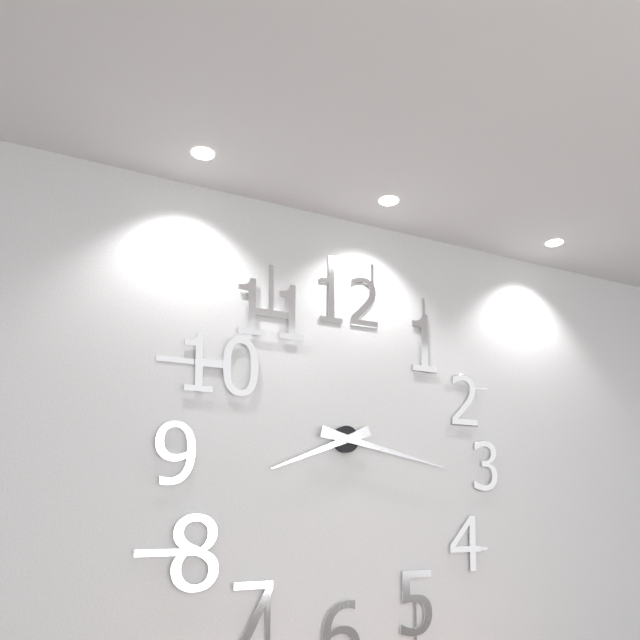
8:17
